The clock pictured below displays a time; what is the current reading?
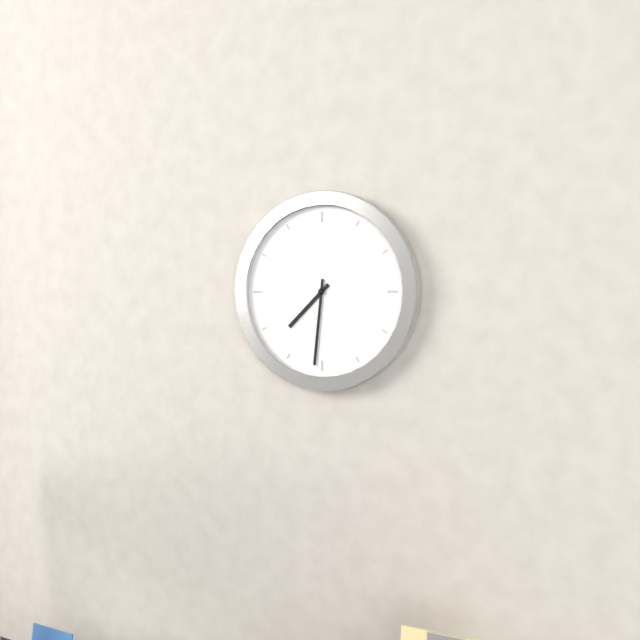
7:31
